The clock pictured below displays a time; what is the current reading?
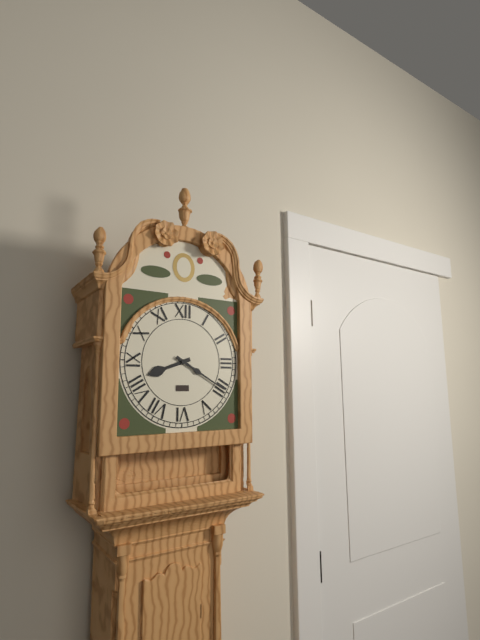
8:20
